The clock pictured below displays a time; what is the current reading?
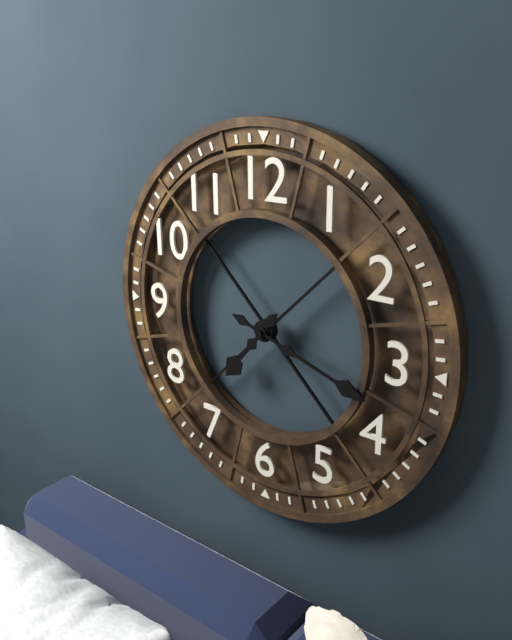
7:18
